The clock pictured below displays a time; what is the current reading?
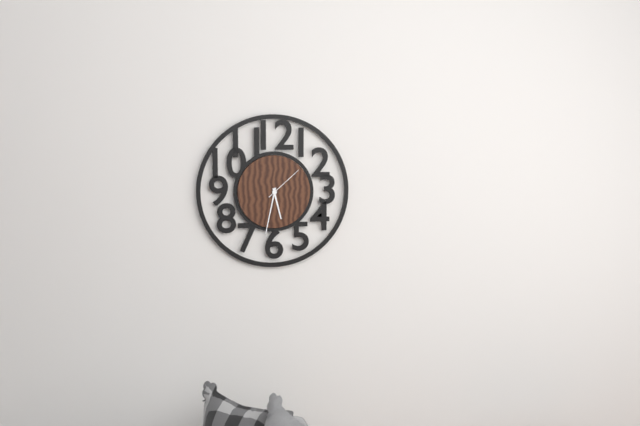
5:32
